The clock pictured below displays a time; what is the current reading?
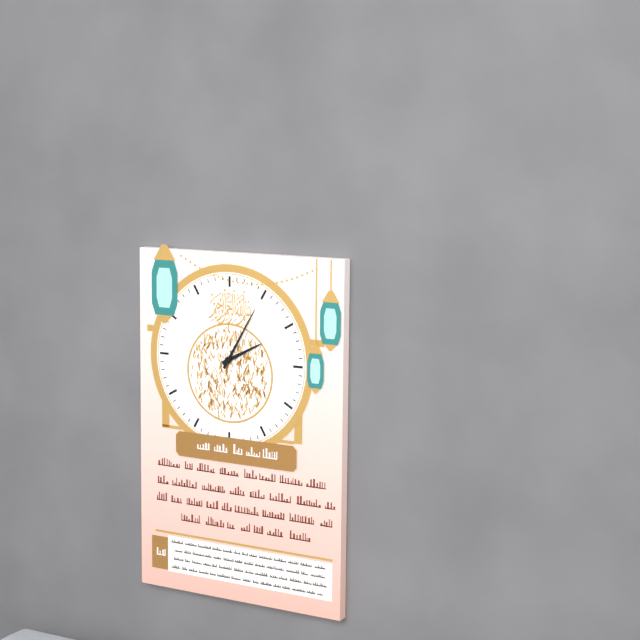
2:05
